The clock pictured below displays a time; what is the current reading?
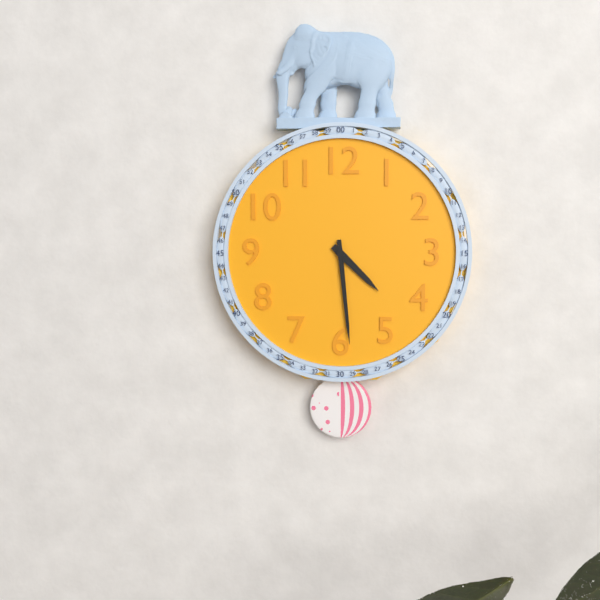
4:29
